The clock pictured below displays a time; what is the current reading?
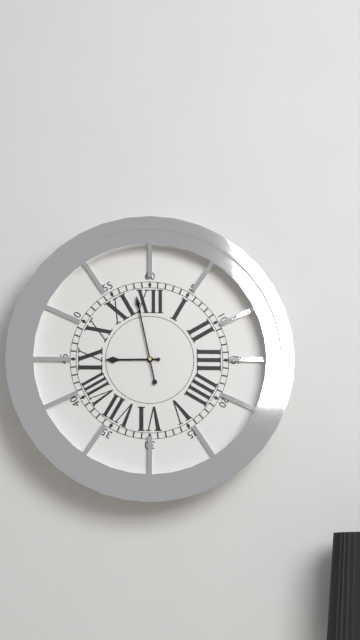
8:58
